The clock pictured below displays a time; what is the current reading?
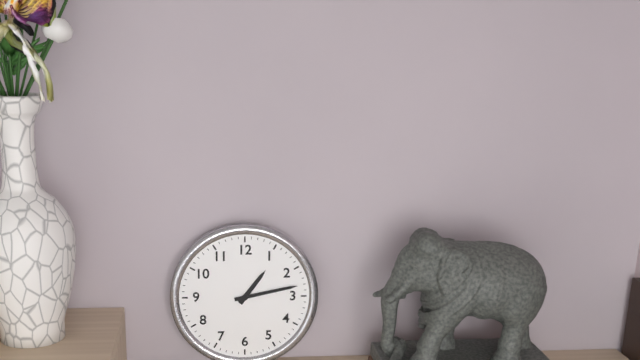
1:13
